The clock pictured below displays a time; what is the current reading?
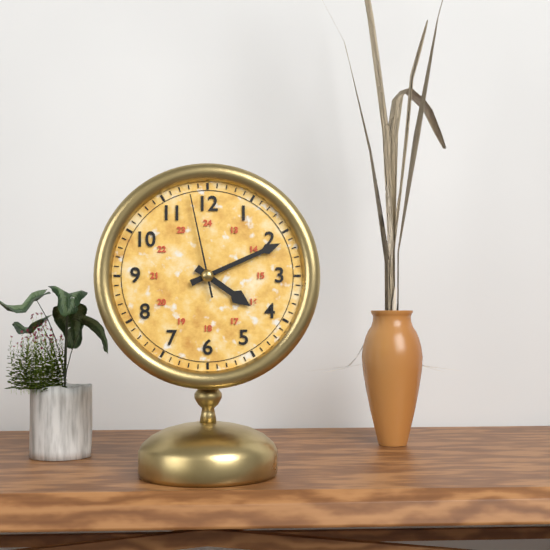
4:11:58
